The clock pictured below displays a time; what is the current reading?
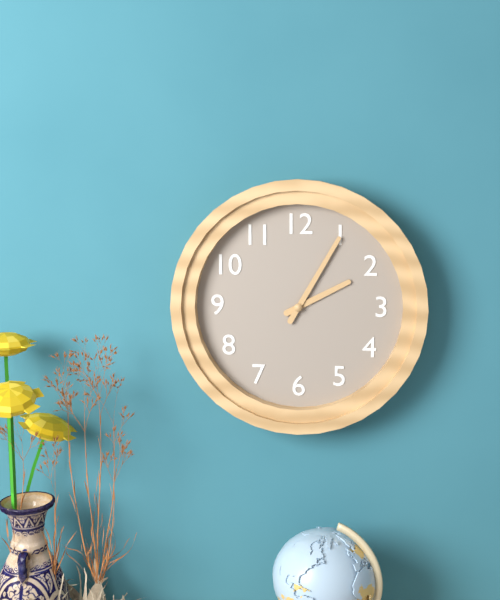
2:05
